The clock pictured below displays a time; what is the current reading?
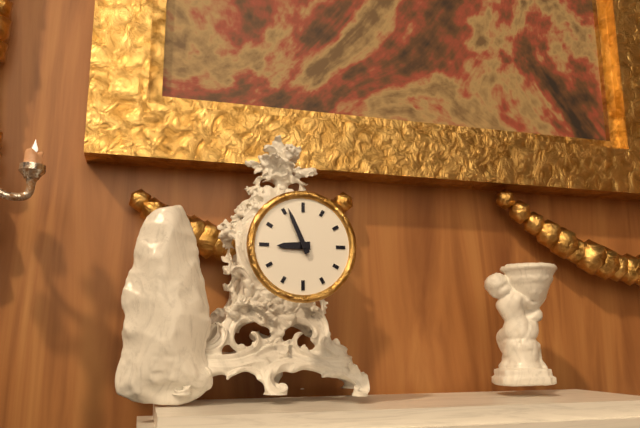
8:56
